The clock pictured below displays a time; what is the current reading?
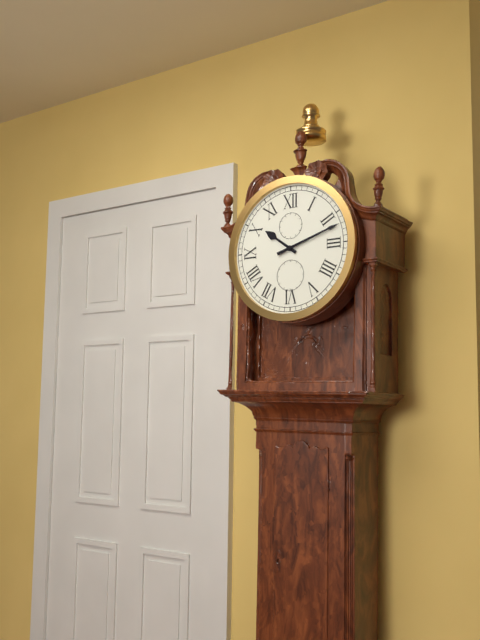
10:12
